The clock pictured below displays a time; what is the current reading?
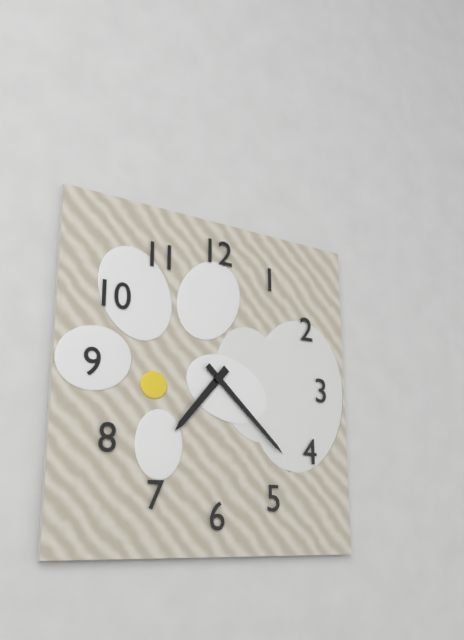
7:22
